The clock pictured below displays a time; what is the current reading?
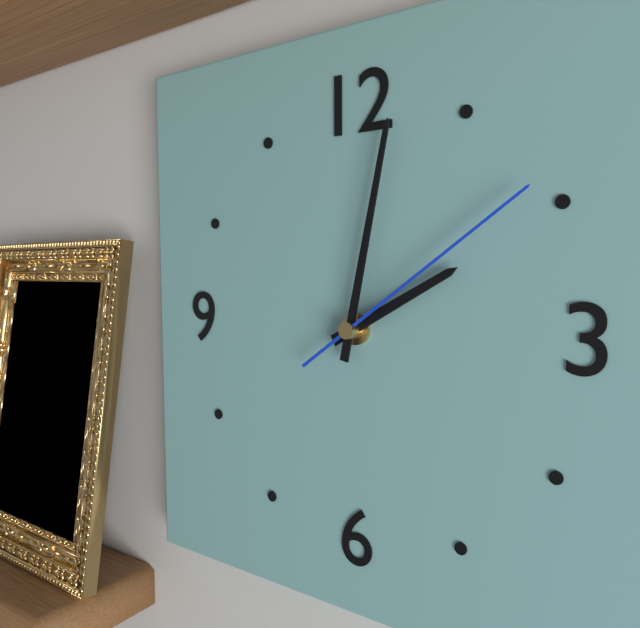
2:02:09
